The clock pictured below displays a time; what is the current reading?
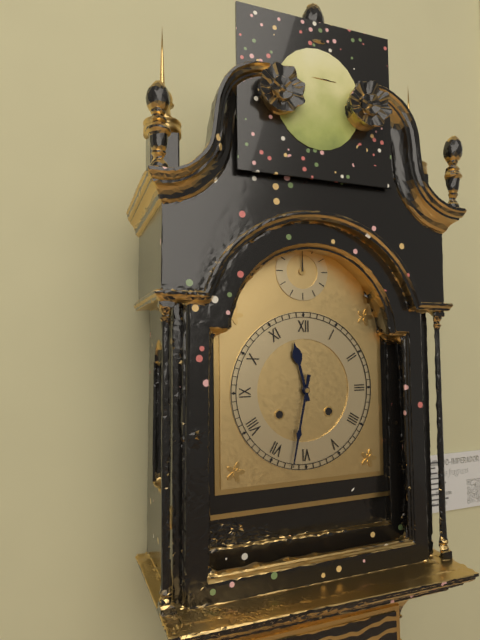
11:32
